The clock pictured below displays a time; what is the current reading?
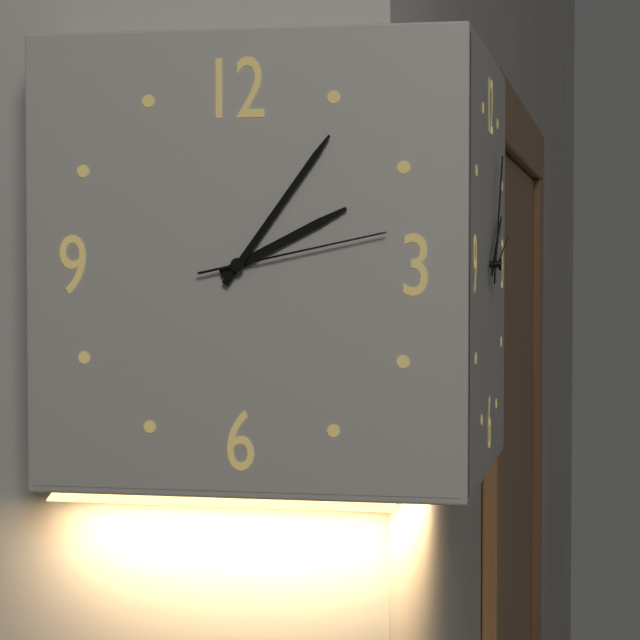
2:06:13
